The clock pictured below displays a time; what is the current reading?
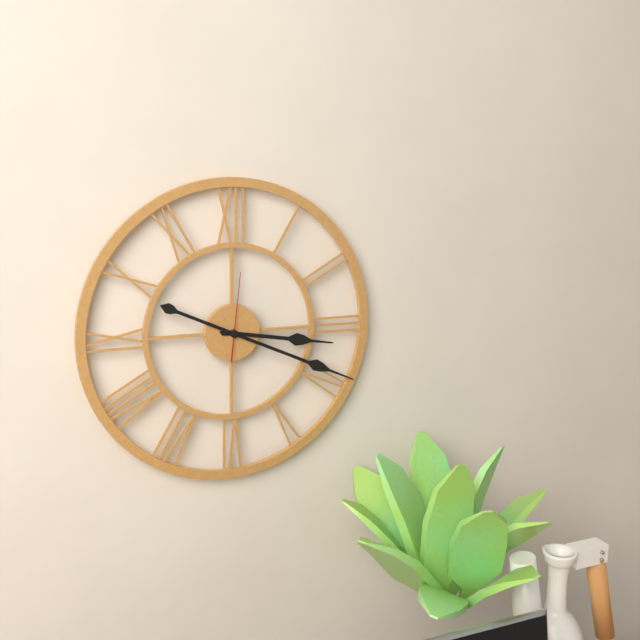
3:19:01
